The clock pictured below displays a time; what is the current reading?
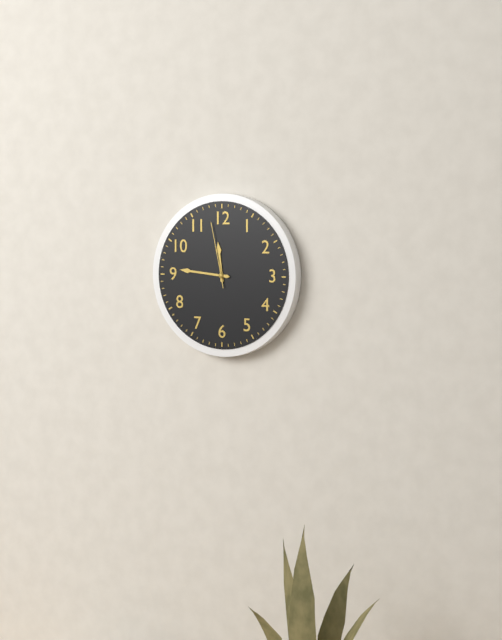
11:46:58
